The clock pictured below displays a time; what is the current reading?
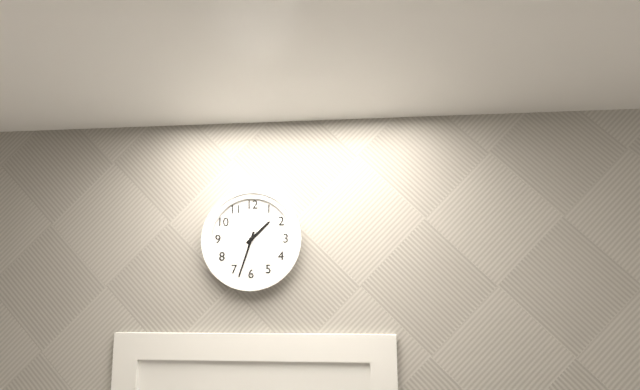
1:33
